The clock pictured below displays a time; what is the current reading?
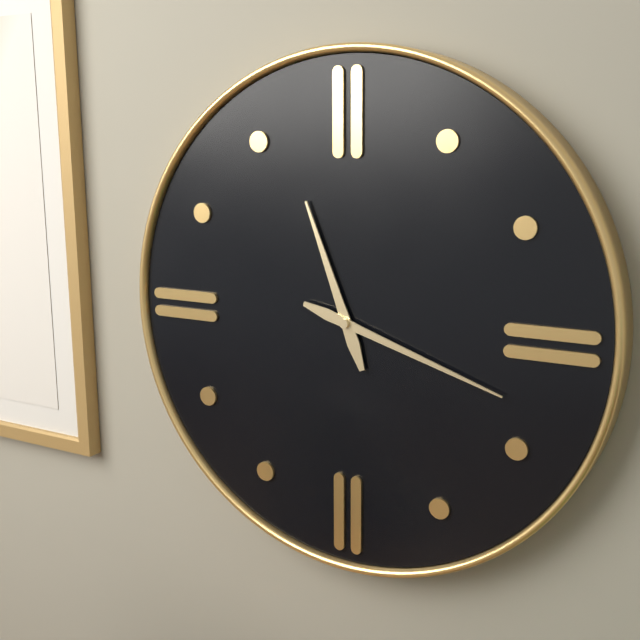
11:18
